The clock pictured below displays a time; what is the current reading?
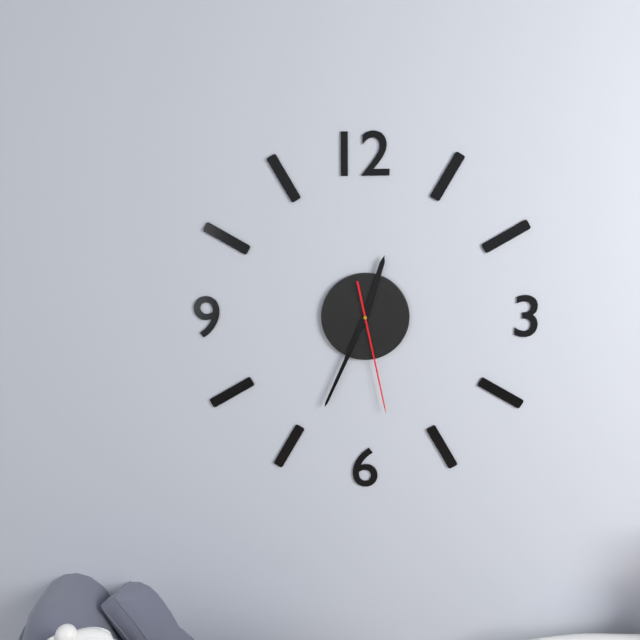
12:34:28
